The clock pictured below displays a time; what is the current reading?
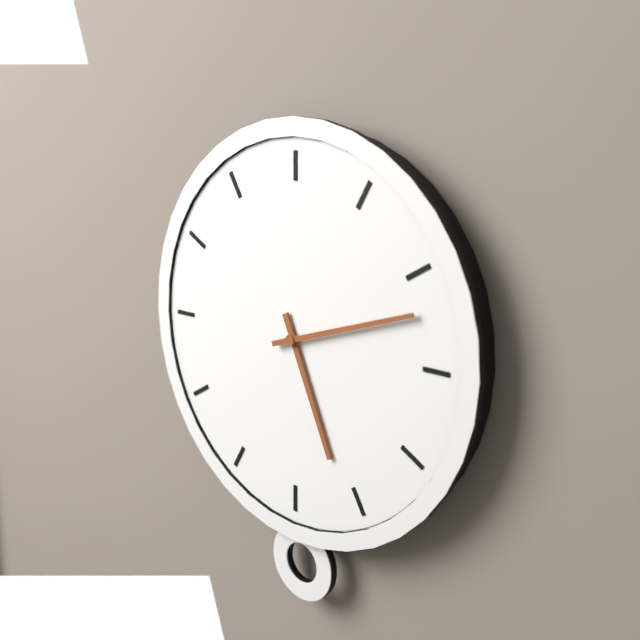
5:12
